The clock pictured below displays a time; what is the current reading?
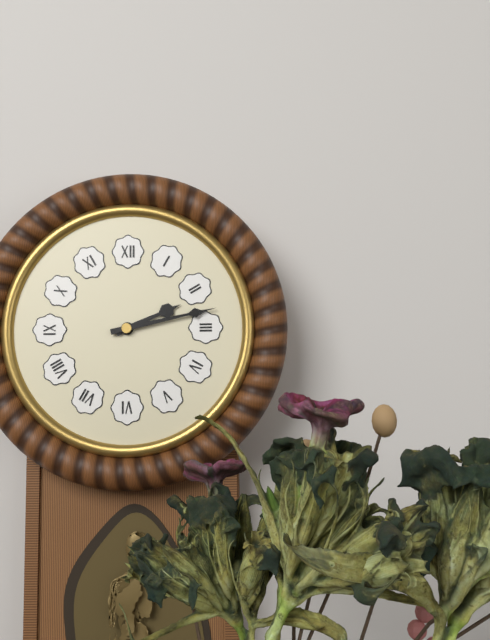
2:13
